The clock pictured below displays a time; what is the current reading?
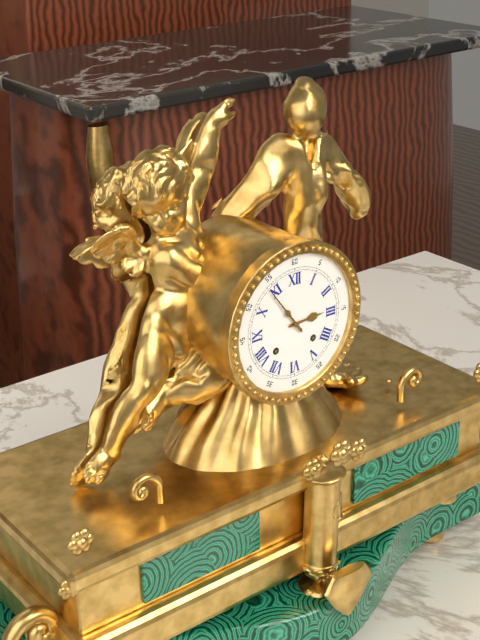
2:54
